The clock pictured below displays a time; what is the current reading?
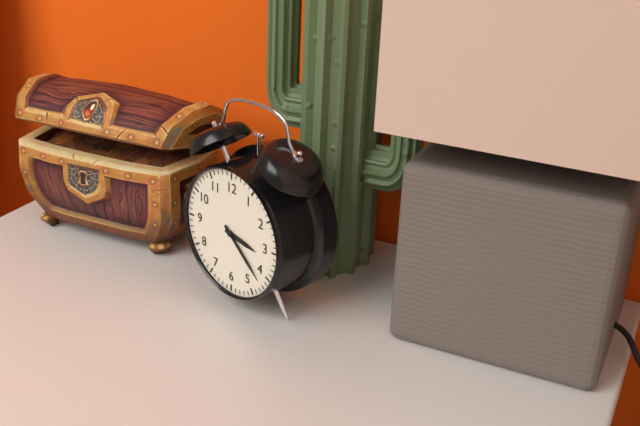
3:22
